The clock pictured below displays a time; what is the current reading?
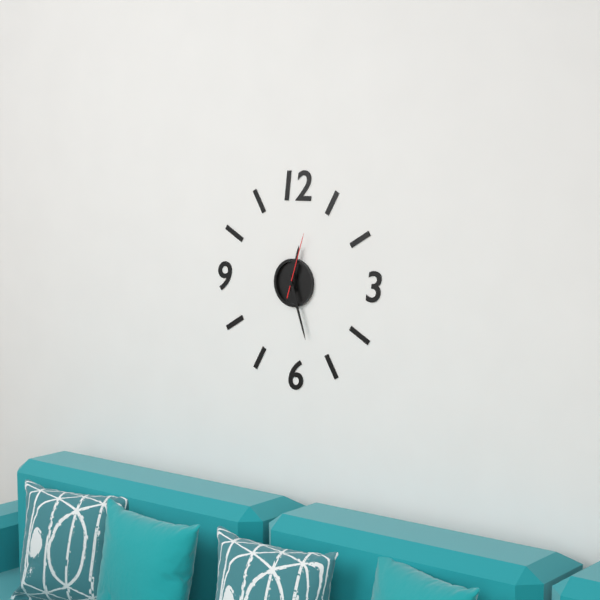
12:27:03
